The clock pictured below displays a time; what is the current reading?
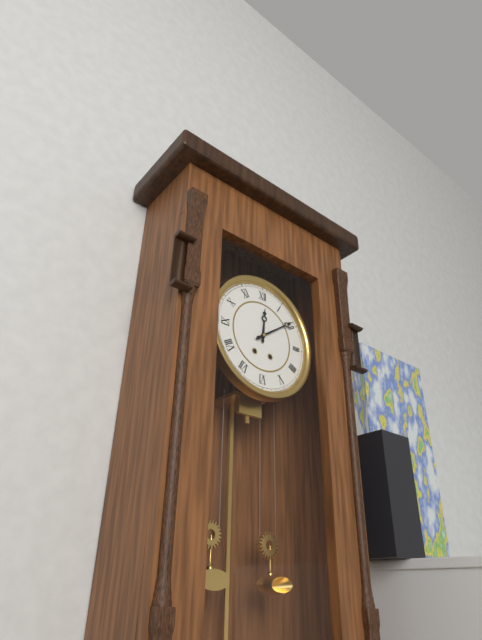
12:09
